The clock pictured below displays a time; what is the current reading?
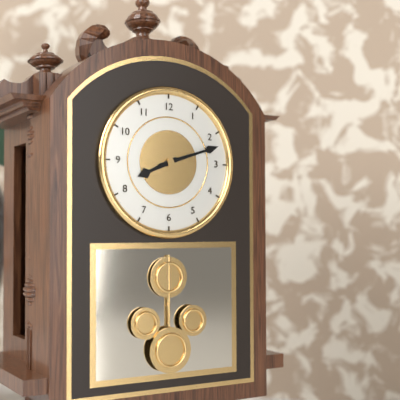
8:12
